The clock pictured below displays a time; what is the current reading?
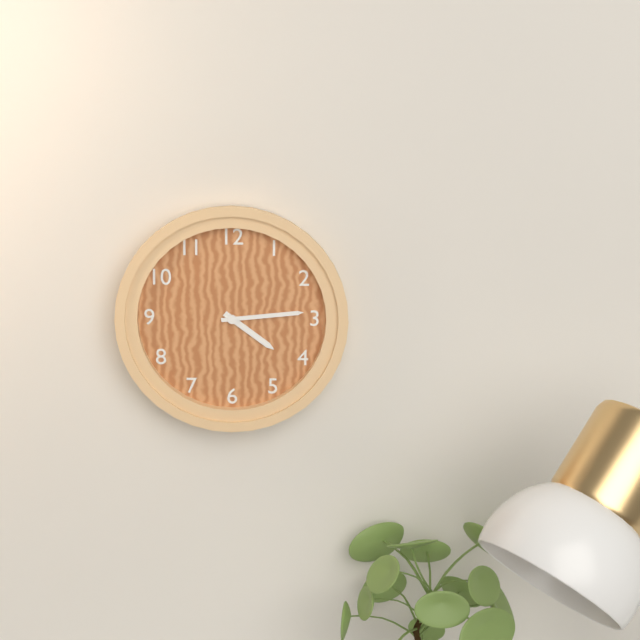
4:14
